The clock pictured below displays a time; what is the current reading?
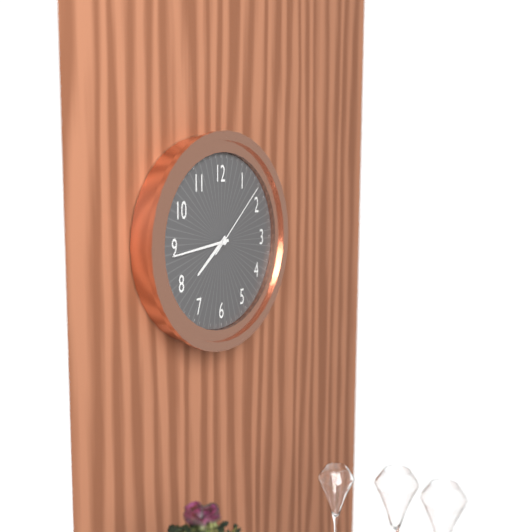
7:44:08
